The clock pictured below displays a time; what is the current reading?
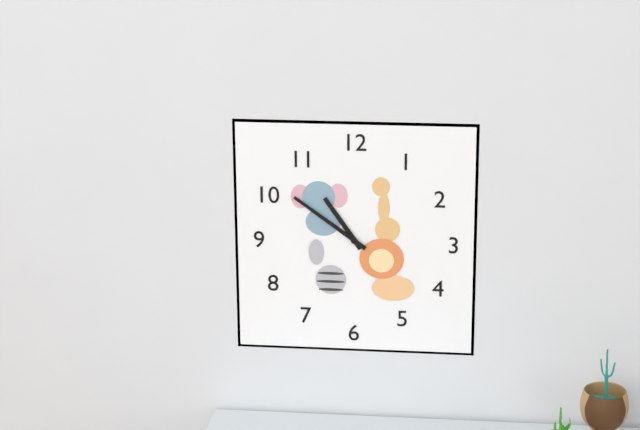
10:51
